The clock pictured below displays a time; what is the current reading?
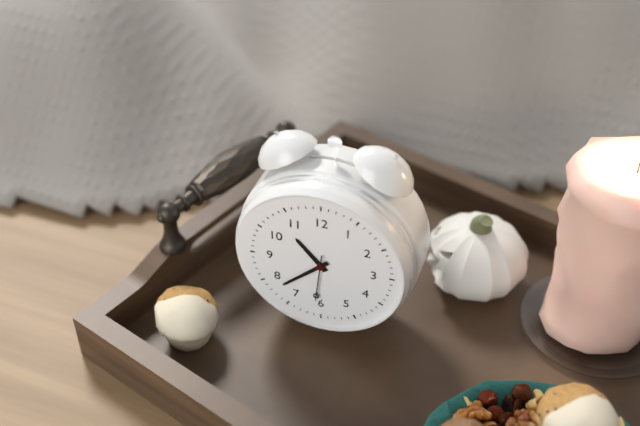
10:38
